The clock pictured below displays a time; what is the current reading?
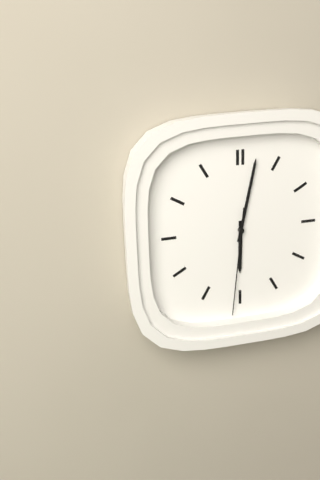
6:02:31
